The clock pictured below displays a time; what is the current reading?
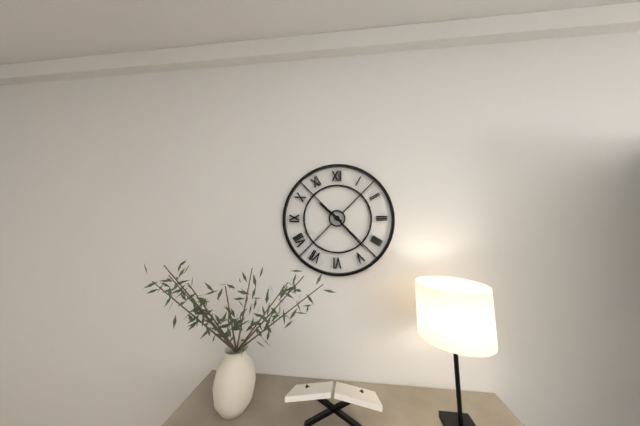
10:23
